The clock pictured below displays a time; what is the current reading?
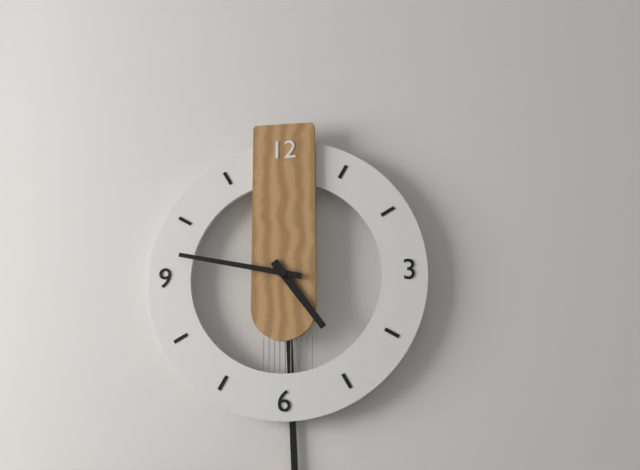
4:47
